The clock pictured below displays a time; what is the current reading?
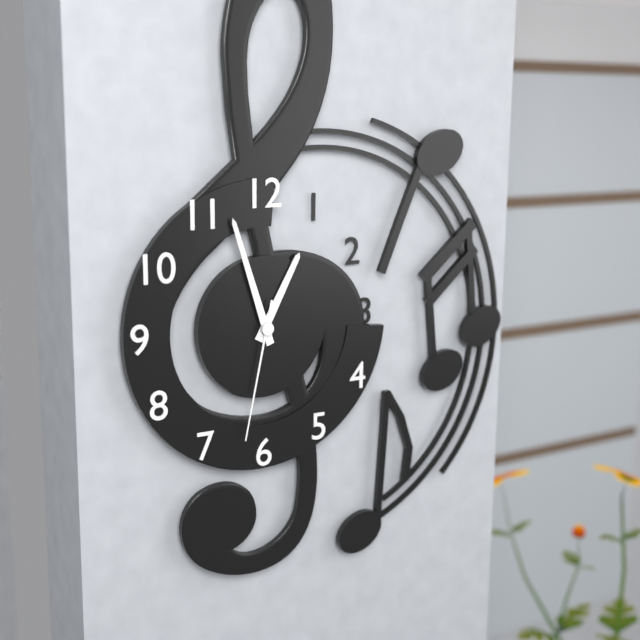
12:57:32
